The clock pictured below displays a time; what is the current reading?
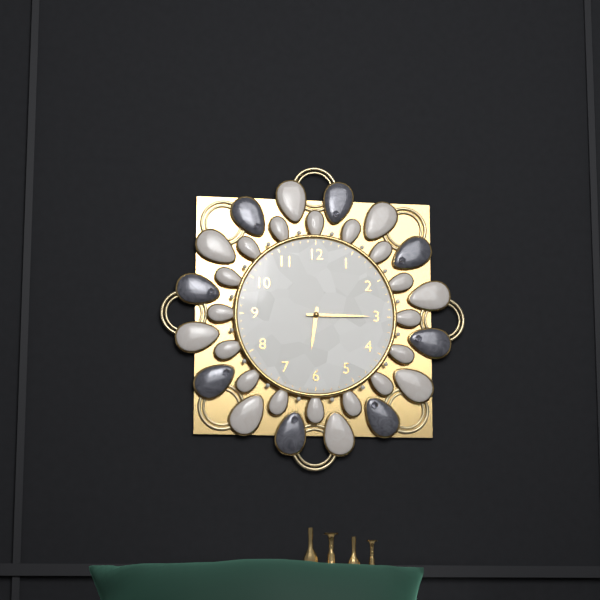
6:15
